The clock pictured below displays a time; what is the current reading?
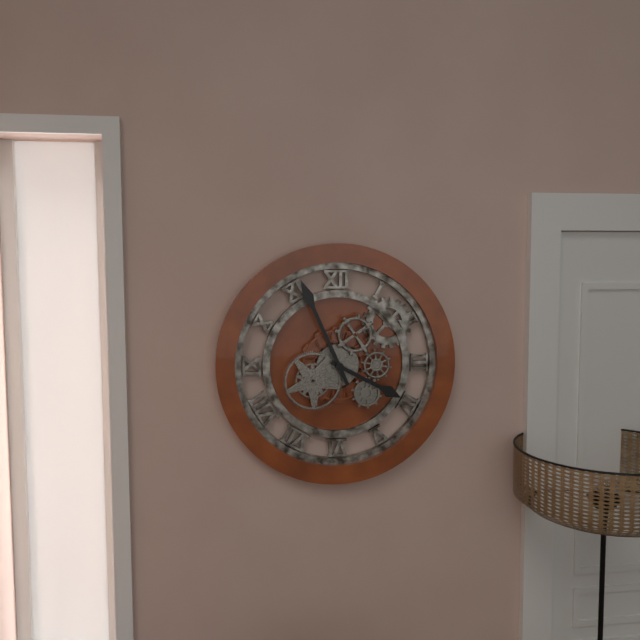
3:56
